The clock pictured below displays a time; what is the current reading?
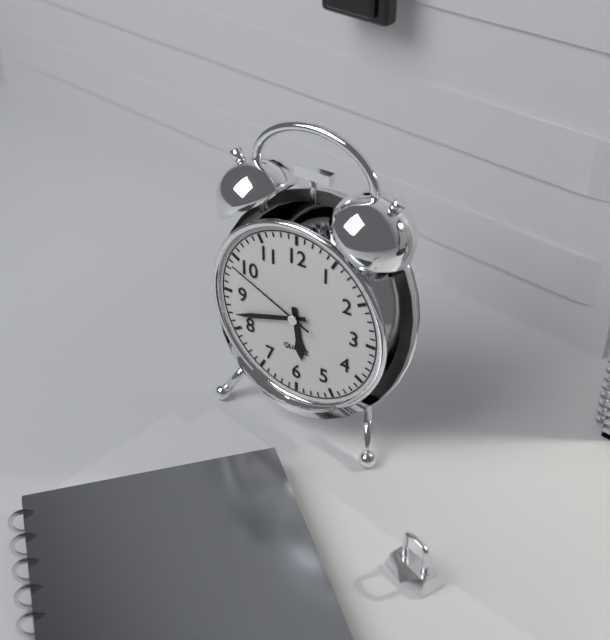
5:42:49
